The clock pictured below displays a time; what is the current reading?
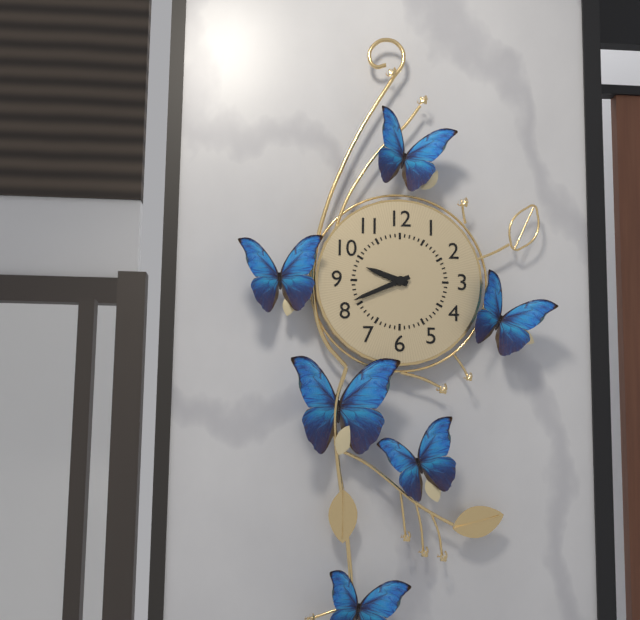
9:41
